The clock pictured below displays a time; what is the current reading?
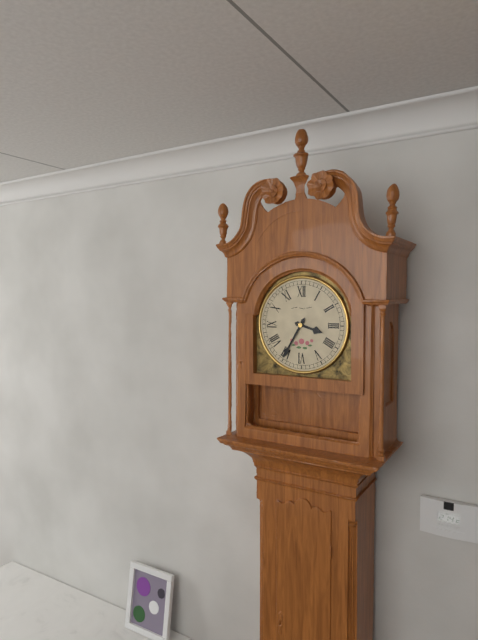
3:35
